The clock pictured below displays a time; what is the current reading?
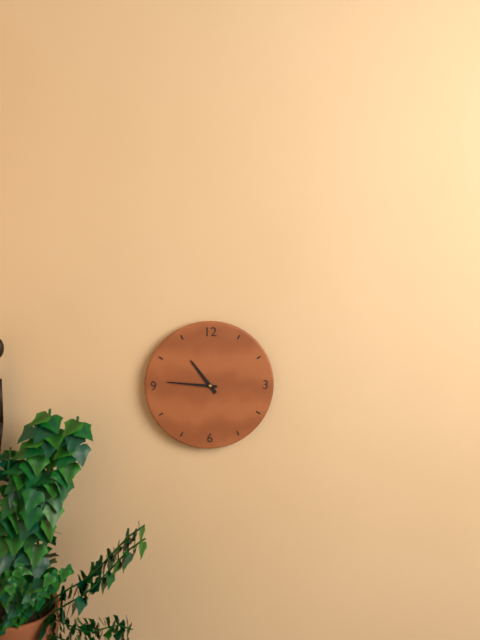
10:46
